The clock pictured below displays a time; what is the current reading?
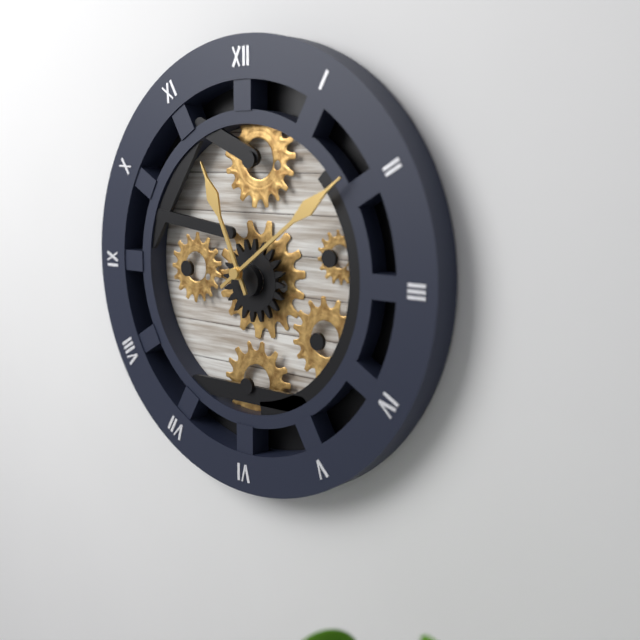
11:09
